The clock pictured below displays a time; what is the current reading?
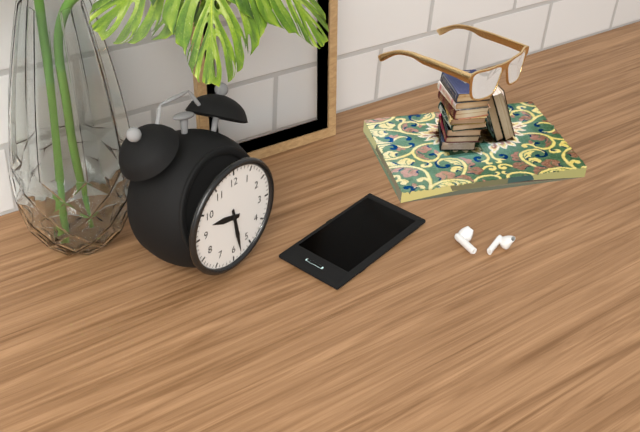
9:28
